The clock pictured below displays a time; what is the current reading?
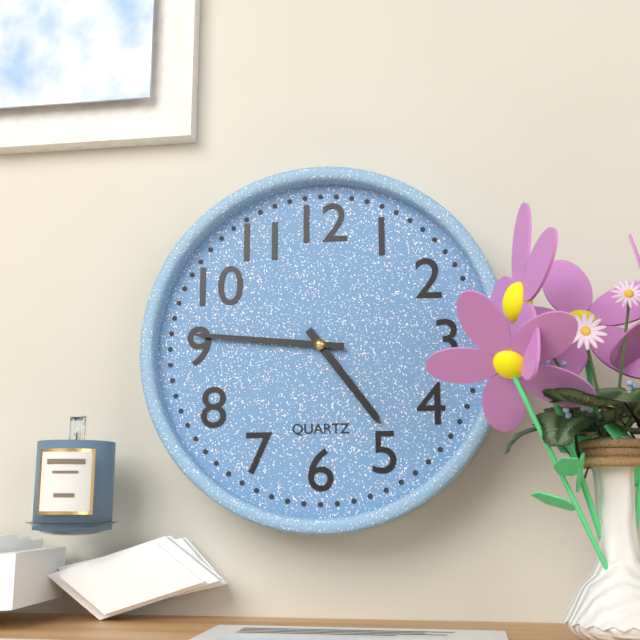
4:46
